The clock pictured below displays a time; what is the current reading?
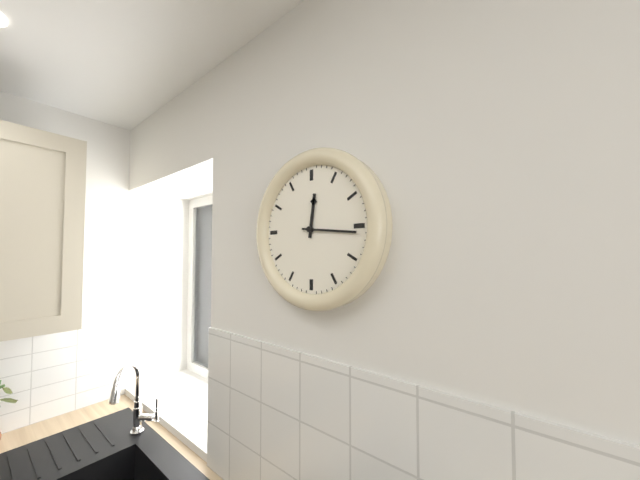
12:16
